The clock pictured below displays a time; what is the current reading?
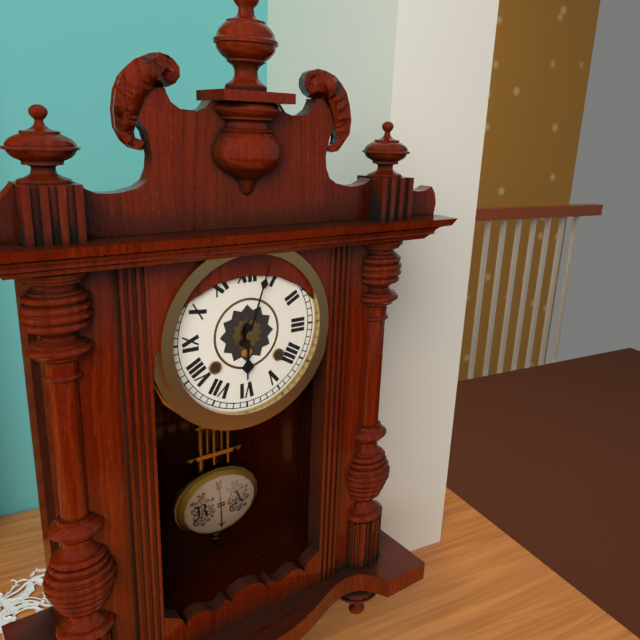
6:03
